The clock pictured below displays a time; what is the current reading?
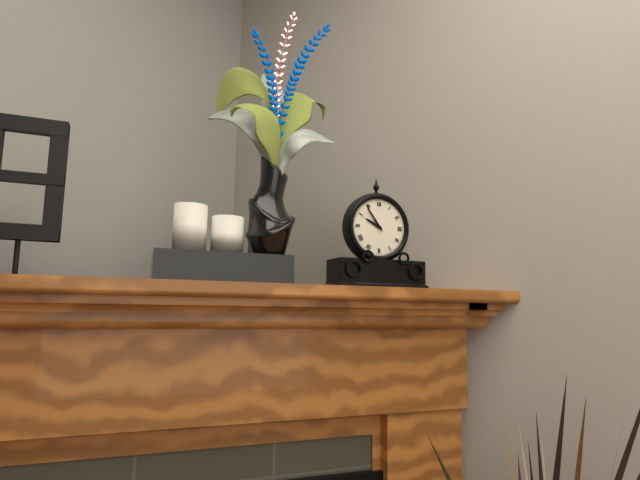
9:54
